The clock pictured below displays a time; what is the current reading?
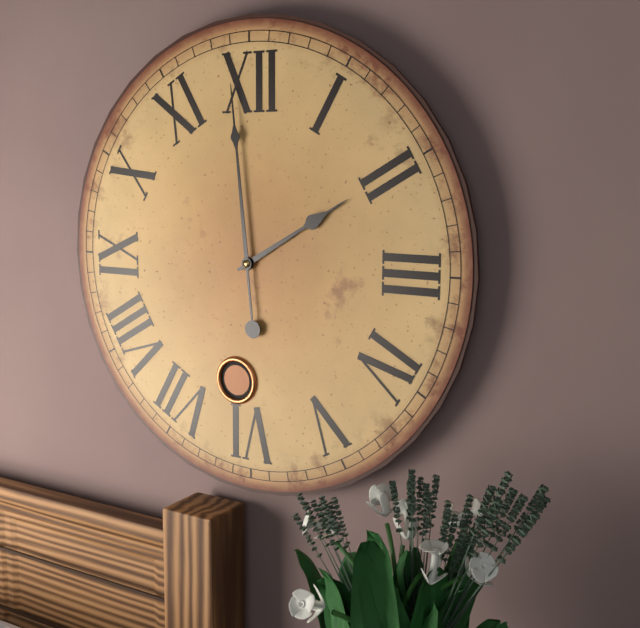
1:59
